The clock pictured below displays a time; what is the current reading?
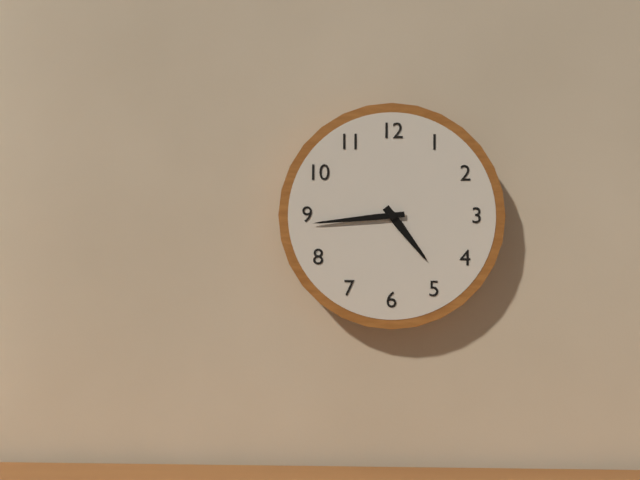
4:44
